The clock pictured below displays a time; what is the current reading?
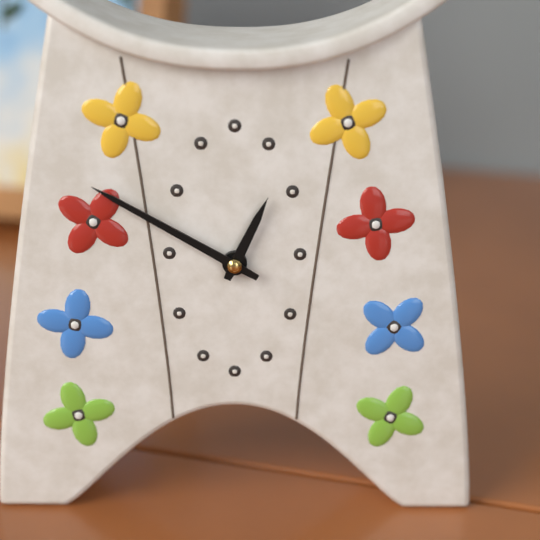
12:50
